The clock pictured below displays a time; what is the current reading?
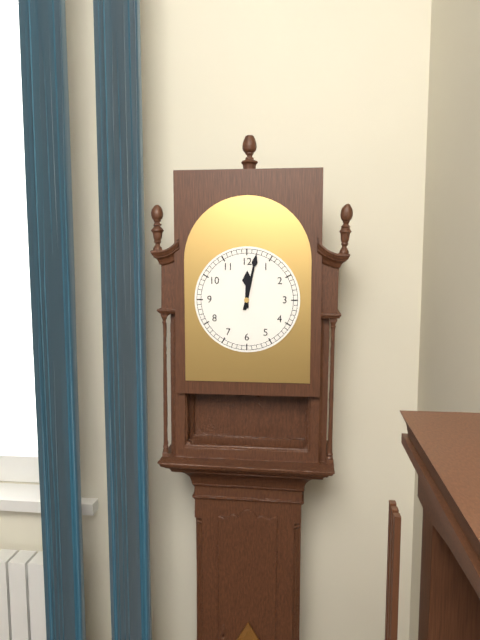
12:02
